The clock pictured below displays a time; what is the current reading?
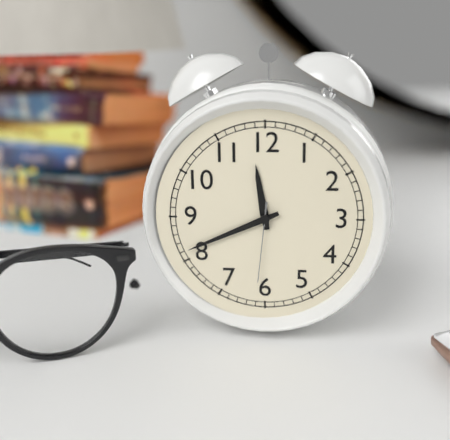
11:41:31
